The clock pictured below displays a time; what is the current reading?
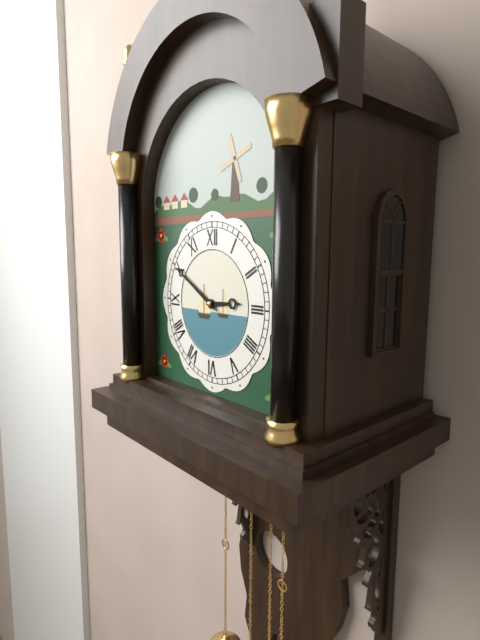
2:50
